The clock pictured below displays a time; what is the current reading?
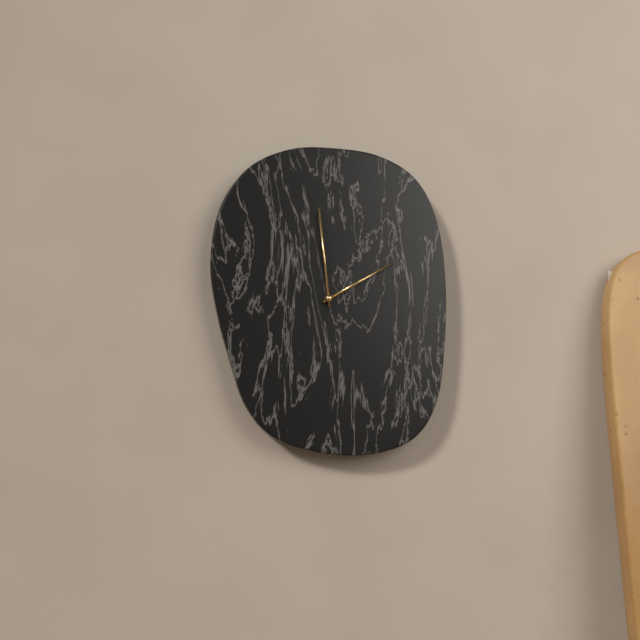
1:59
